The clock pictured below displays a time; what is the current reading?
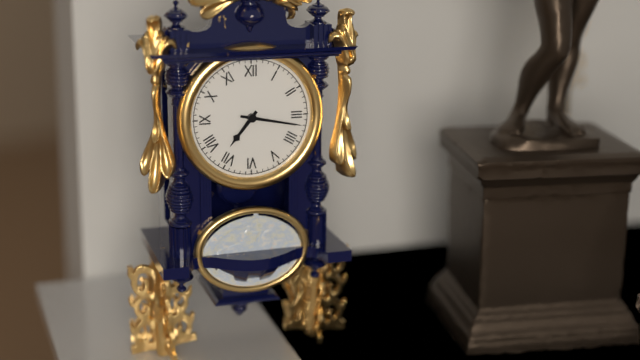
7:17
